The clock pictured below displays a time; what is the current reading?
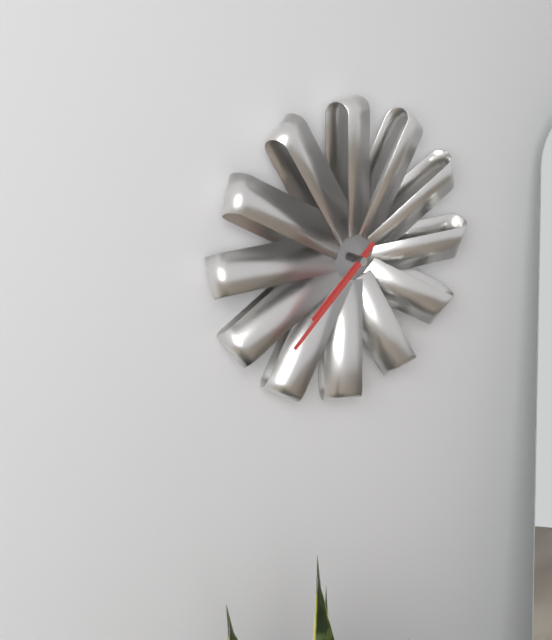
7:38
